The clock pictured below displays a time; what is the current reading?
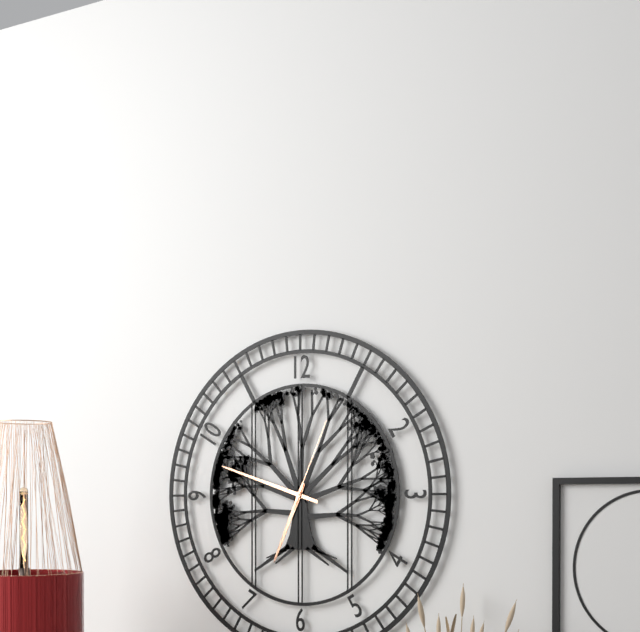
6:48:04
